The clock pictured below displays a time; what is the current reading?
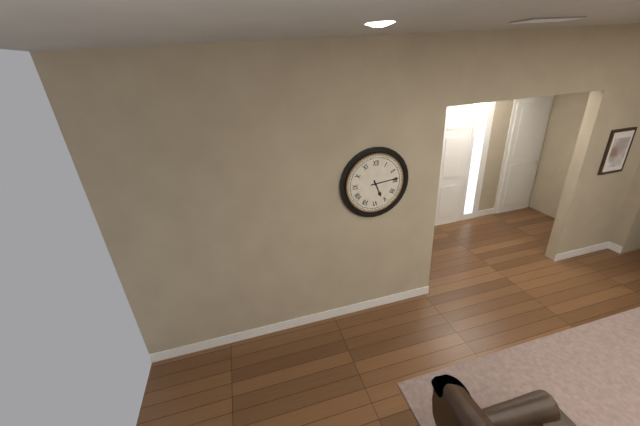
5:14
